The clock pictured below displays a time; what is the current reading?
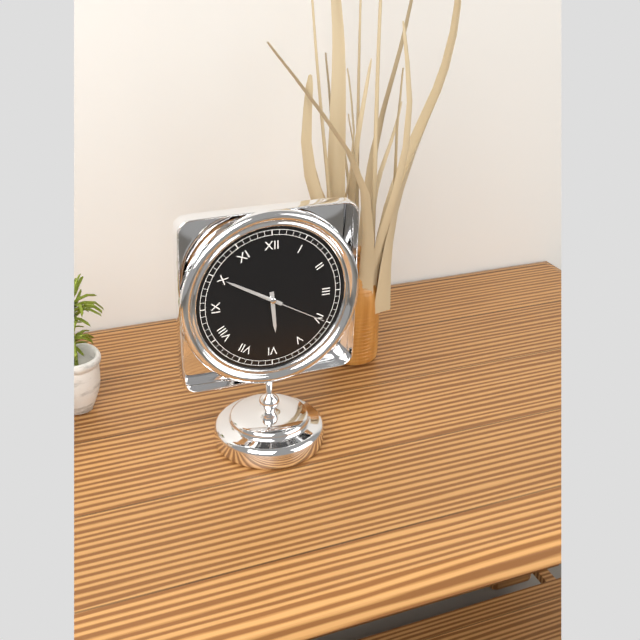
5:50:20
